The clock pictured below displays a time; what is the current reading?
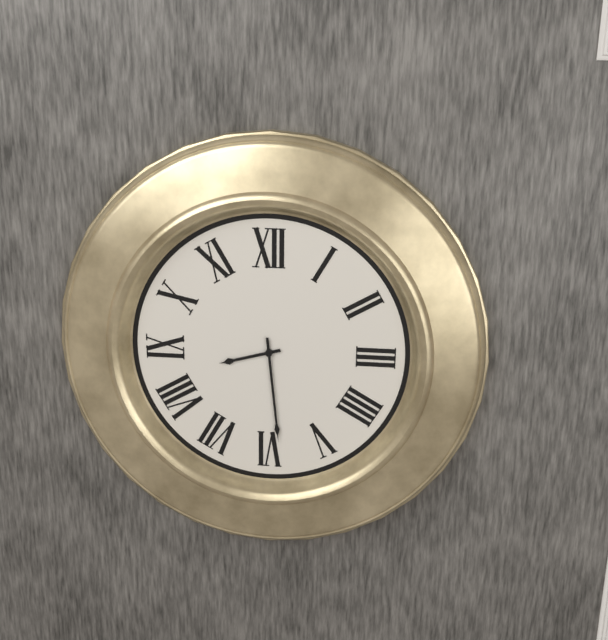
8:29
